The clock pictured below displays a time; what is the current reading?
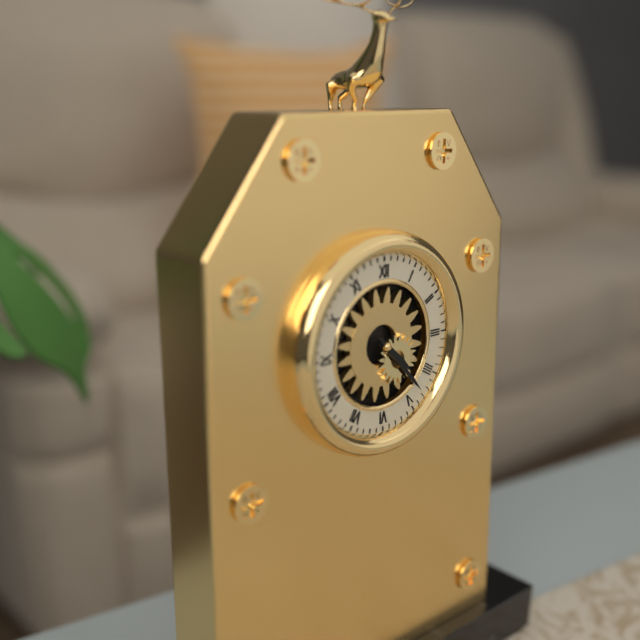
4:23
